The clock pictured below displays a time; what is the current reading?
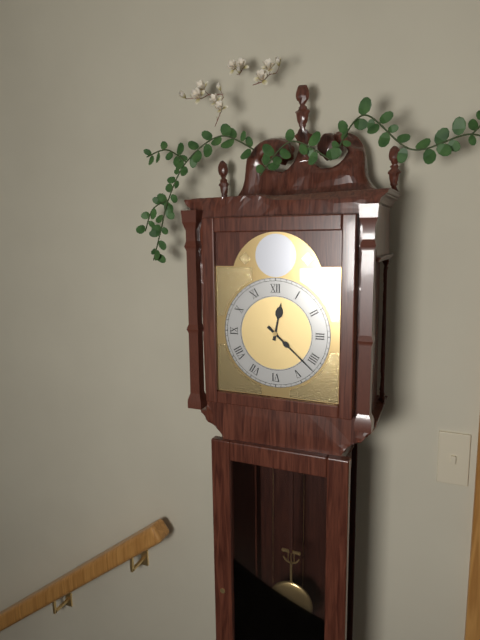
12:22
